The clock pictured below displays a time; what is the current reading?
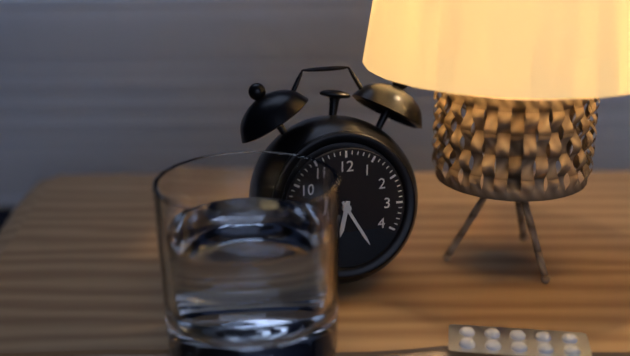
6:25
